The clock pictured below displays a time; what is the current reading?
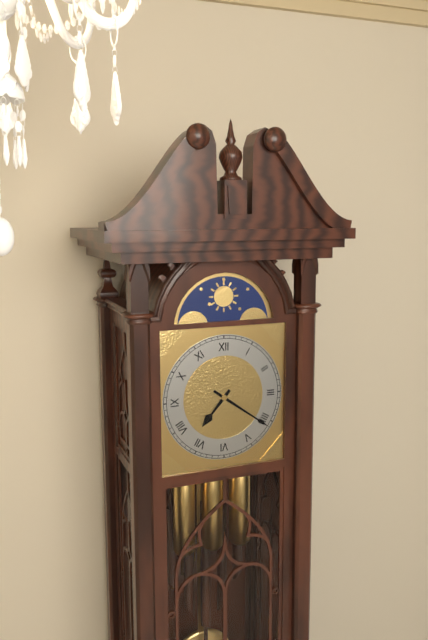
7:21
